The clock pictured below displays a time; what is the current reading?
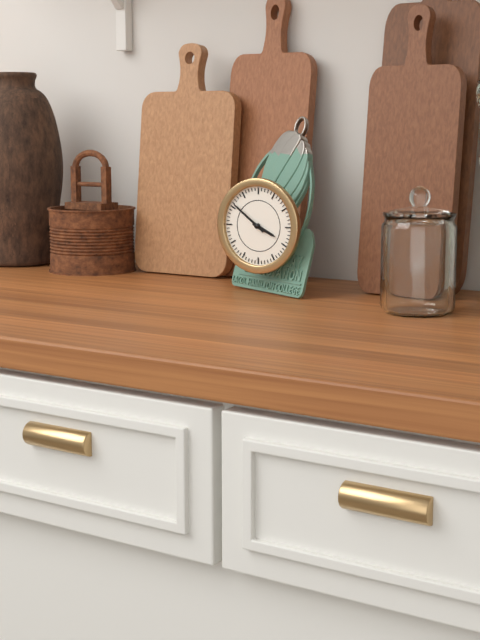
3:51
